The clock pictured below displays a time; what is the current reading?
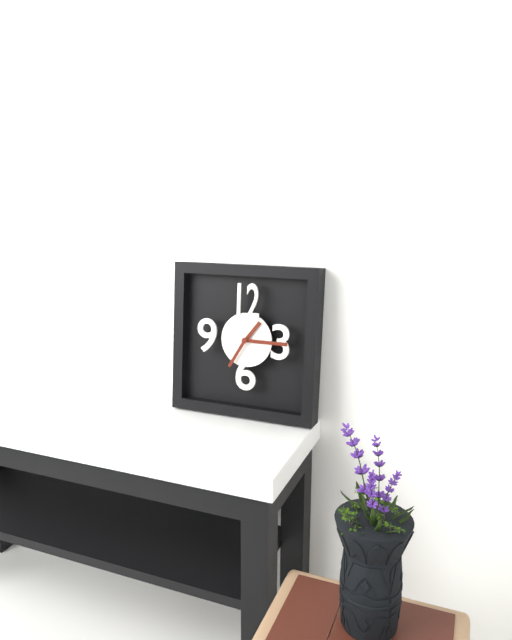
1:15
